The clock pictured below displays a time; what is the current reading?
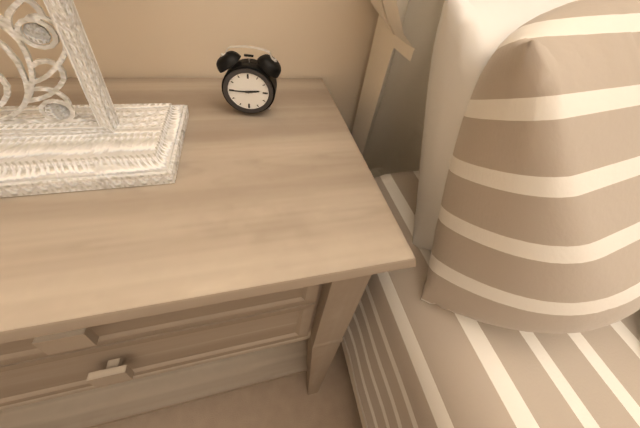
2:45
